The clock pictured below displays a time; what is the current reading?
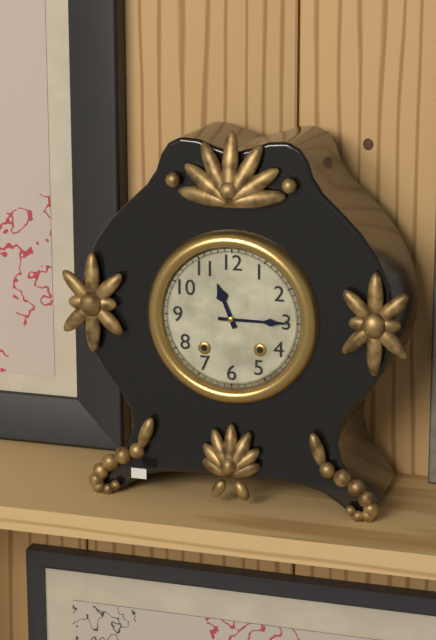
11:15
